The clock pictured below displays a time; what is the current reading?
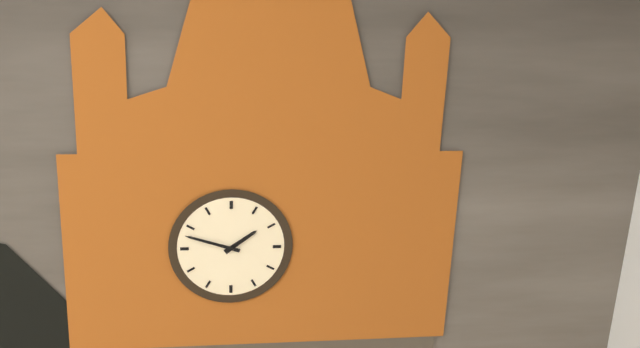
1:48
